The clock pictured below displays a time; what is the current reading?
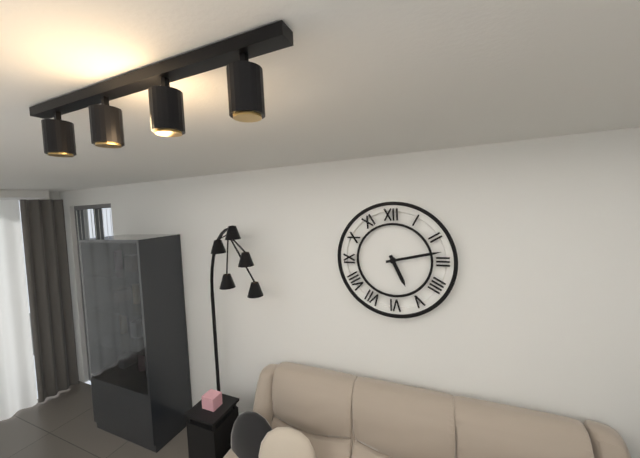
5:13
